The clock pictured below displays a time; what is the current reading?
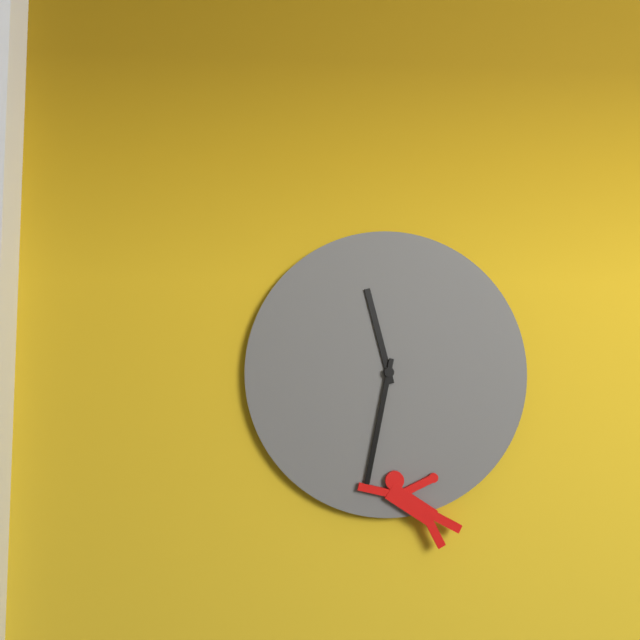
11:32
